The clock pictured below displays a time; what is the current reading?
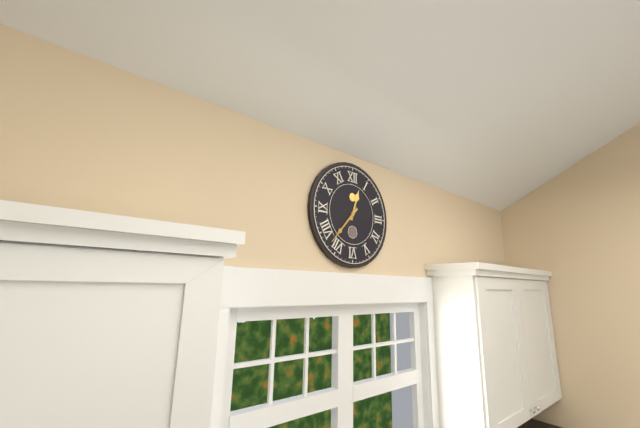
12:37
